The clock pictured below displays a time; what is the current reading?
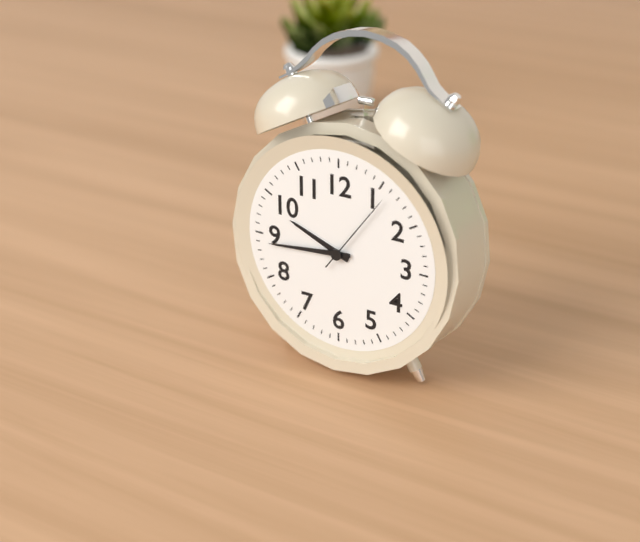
9:44:06
